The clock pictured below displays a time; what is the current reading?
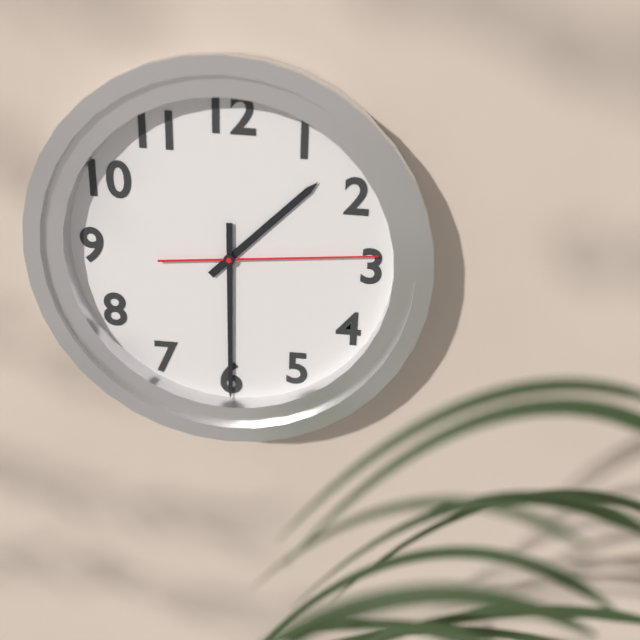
1:30:14
